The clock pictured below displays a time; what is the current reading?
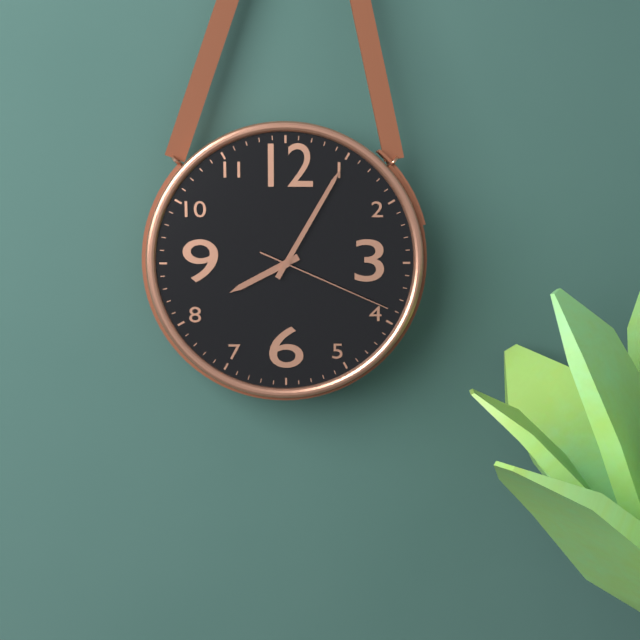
8:05:19
